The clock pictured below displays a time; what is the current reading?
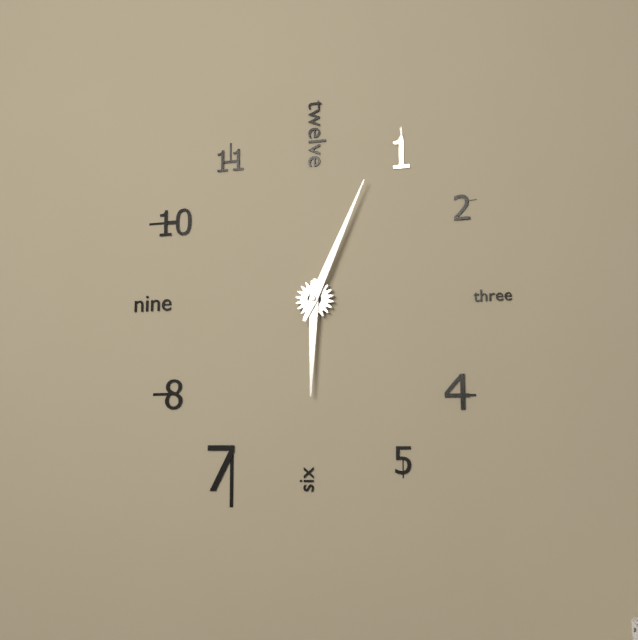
6:04
